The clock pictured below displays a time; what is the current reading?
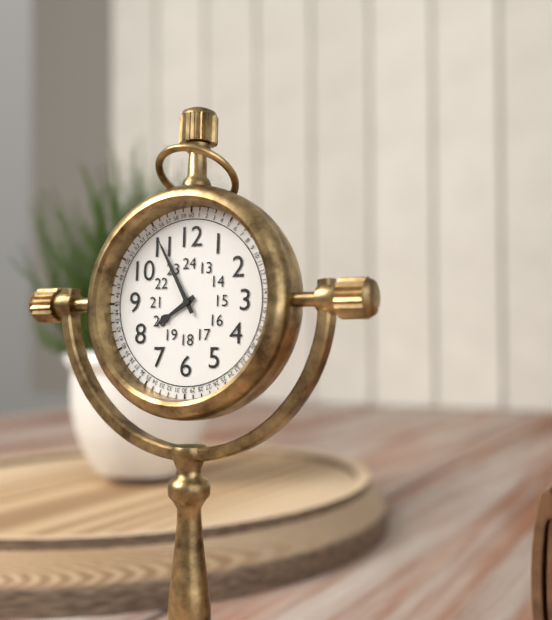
7:55
